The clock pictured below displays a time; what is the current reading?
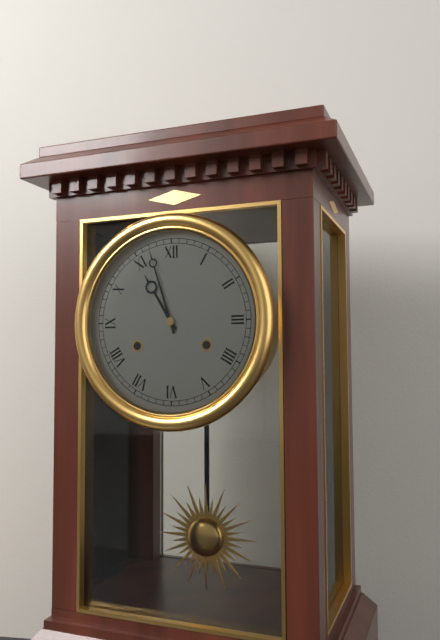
10:57
